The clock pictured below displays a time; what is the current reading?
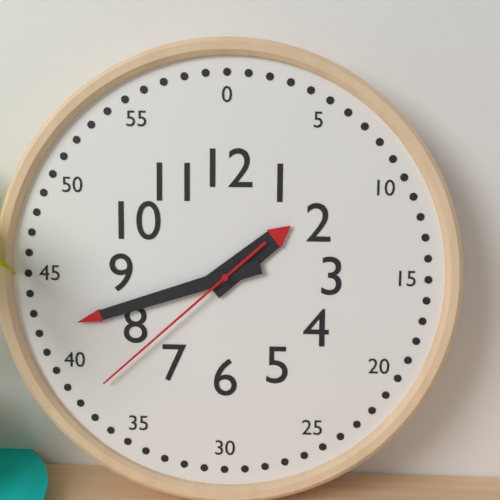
1:42:38
